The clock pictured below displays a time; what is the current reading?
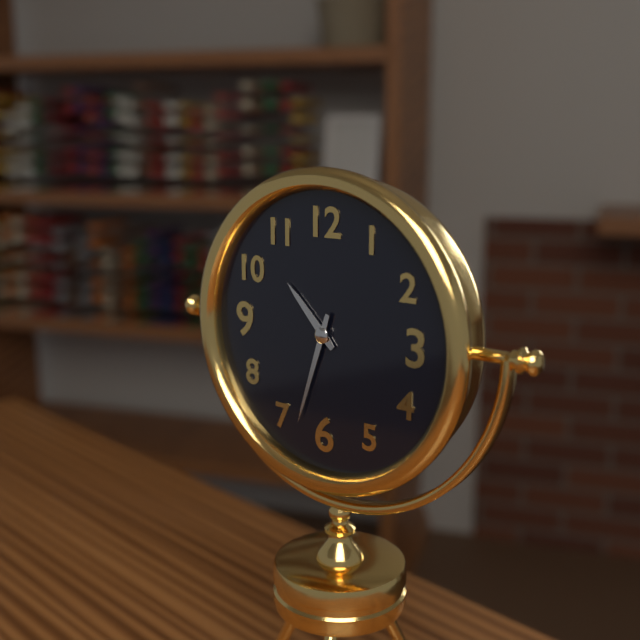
10:33
